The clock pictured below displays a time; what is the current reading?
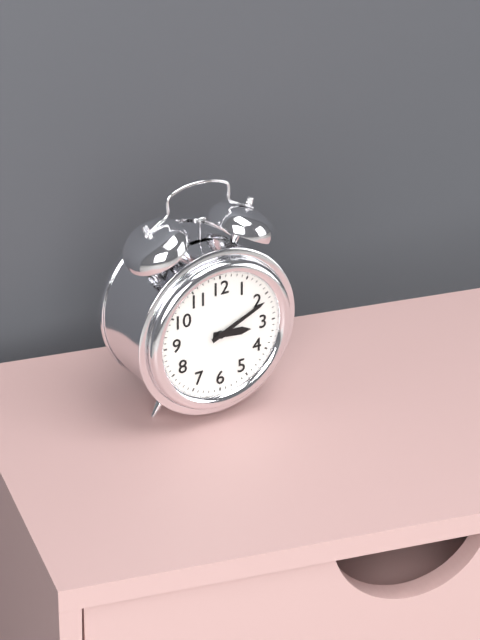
3:11
